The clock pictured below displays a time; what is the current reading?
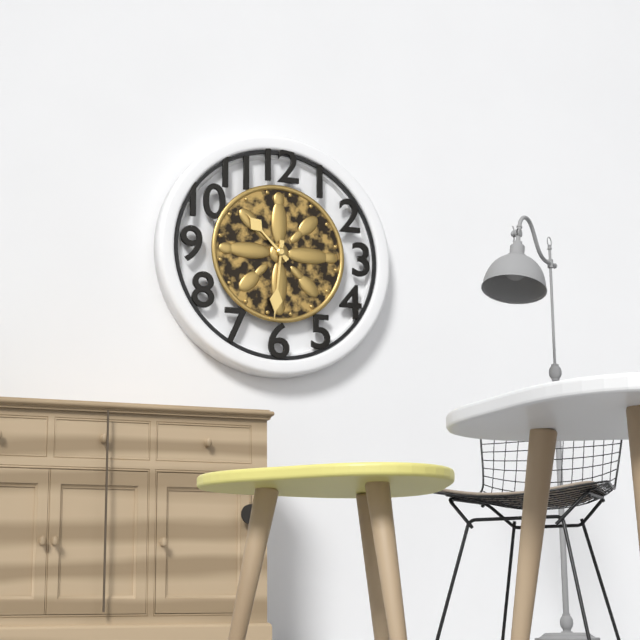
10:31
